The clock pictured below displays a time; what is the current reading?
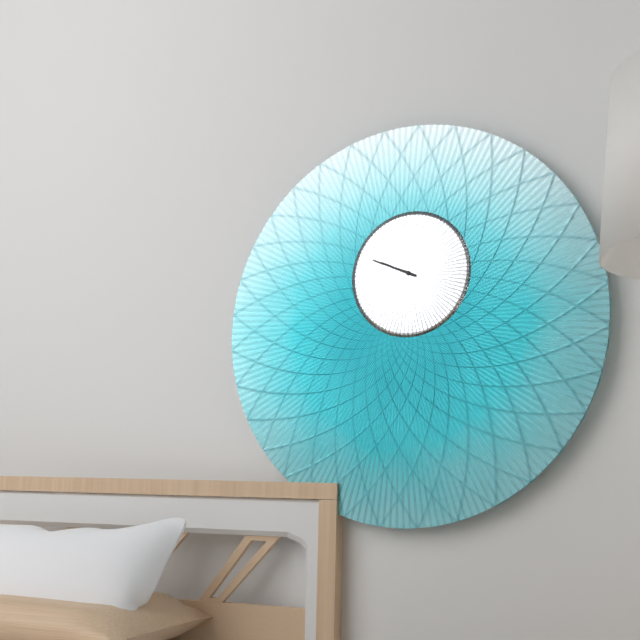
9:49
